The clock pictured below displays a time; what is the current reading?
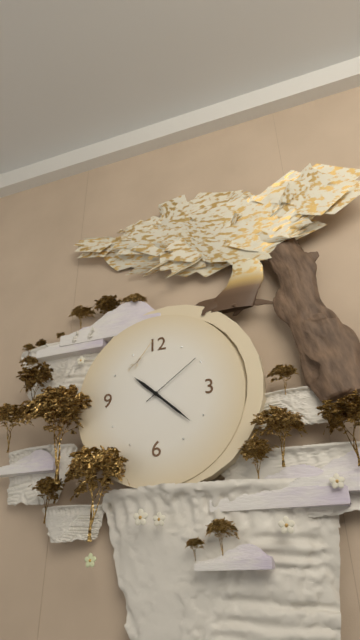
10:22:09
